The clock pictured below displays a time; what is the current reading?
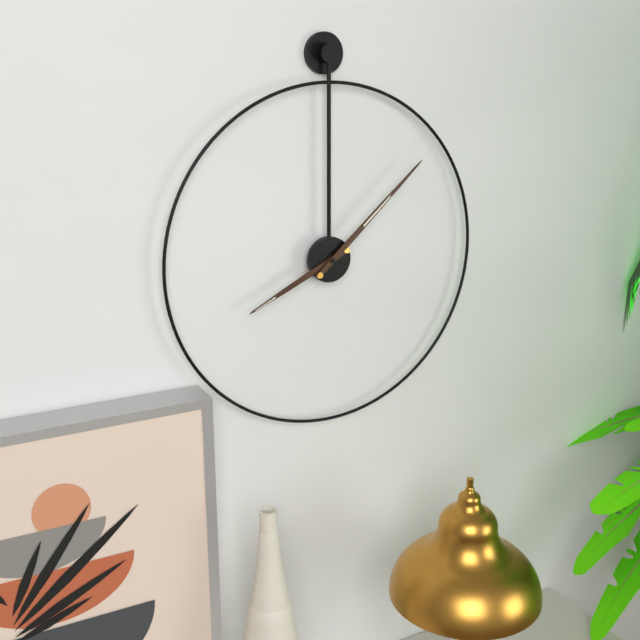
8:08
